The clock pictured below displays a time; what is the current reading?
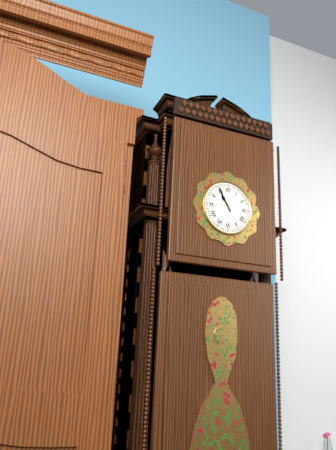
10:55
